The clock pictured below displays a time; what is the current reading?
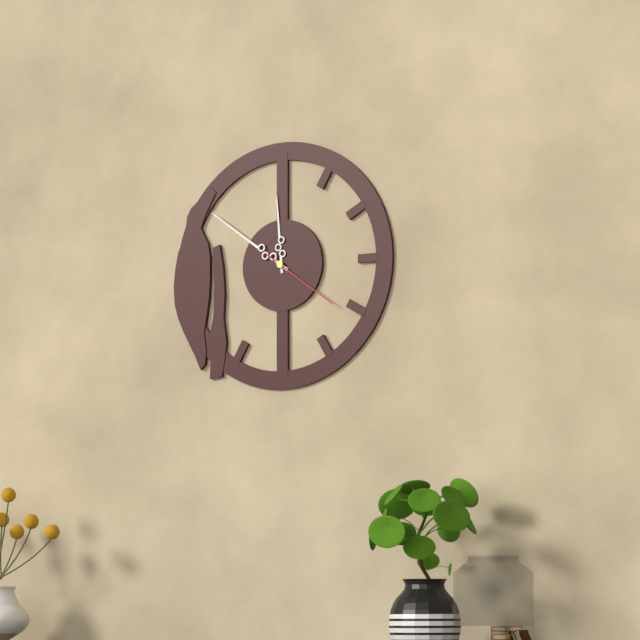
11:51:21
